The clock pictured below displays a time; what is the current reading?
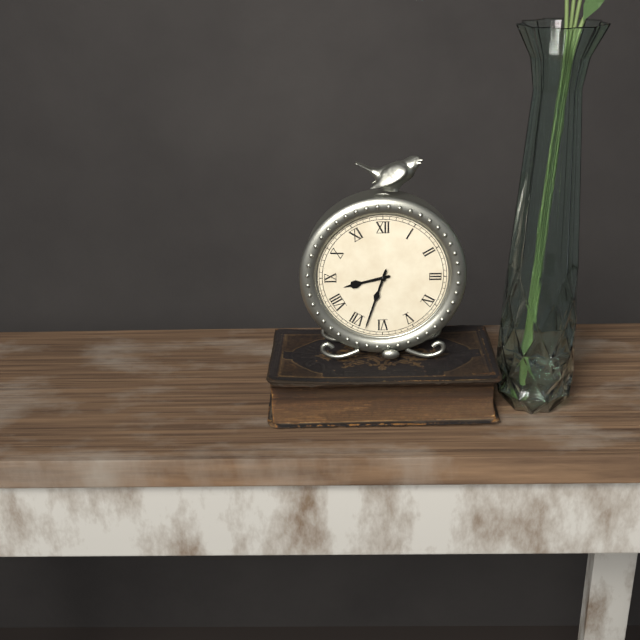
8:33
